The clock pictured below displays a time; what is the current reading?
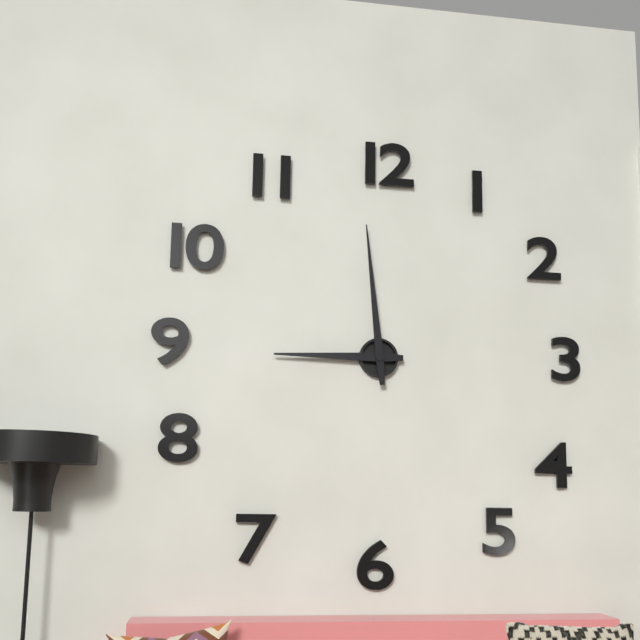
8:59
